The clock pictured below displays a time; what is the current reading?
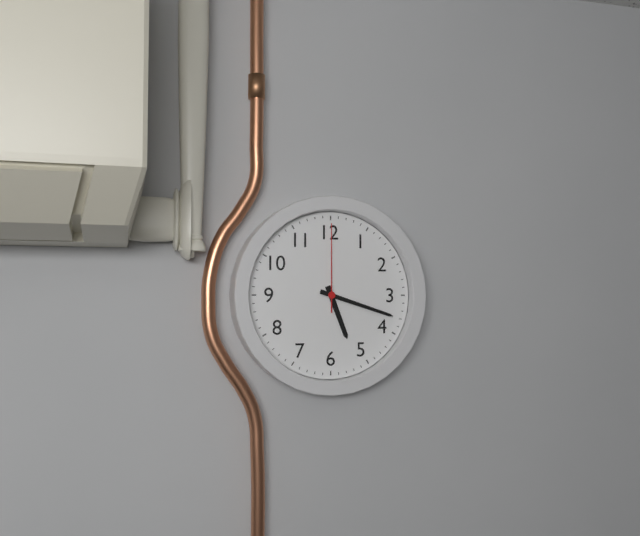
5:18:00
